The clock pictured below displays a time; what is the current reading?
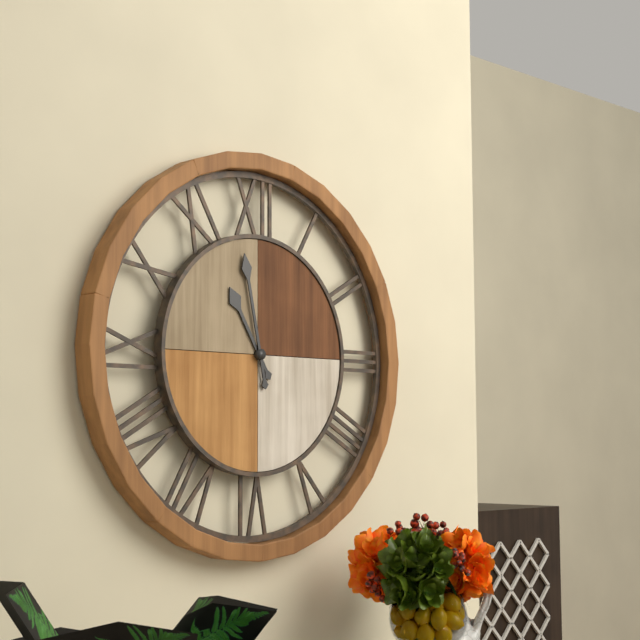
10:58
